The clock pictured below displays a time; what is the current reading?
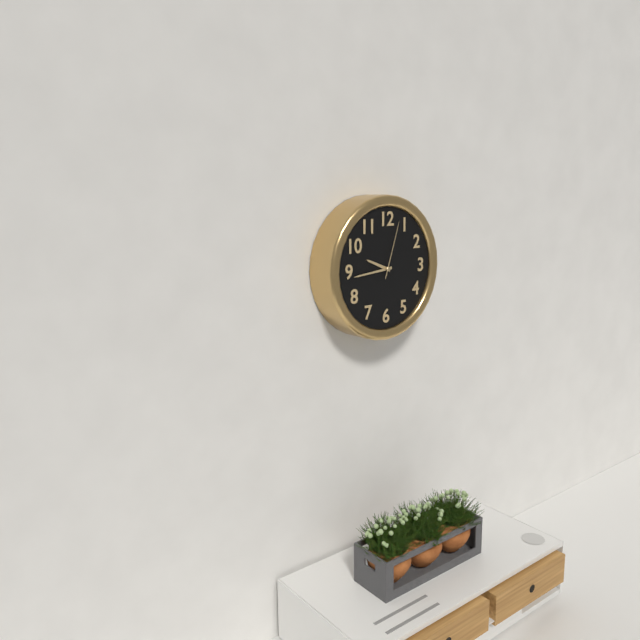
9:44:03
